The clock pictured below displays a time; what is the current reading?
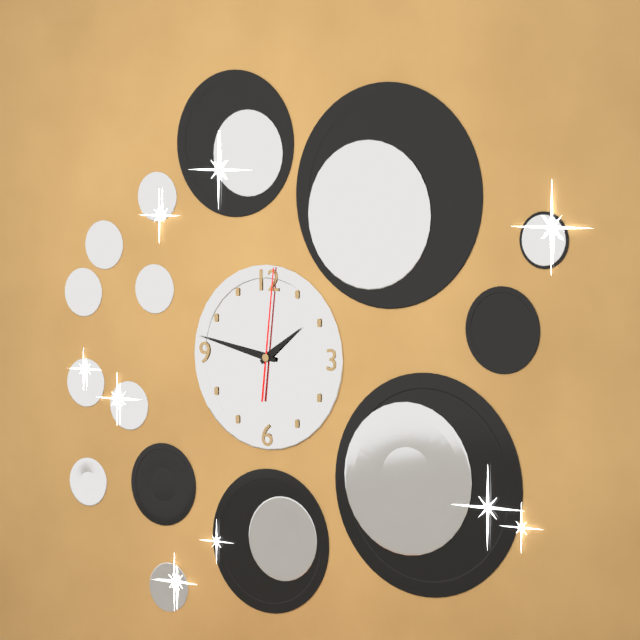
1:47:01
